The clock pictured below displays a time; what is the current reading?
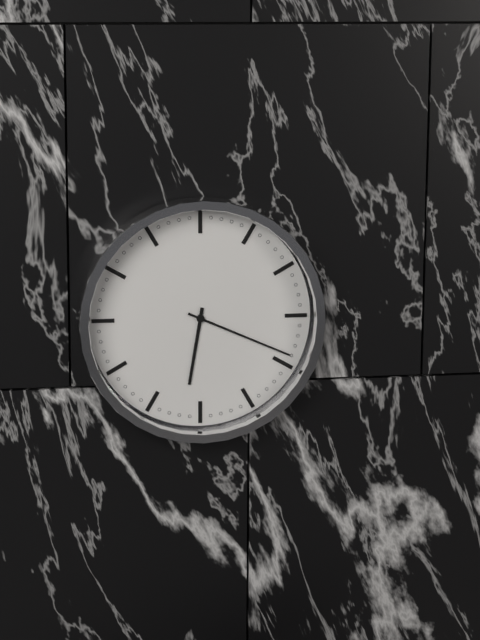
6:19
